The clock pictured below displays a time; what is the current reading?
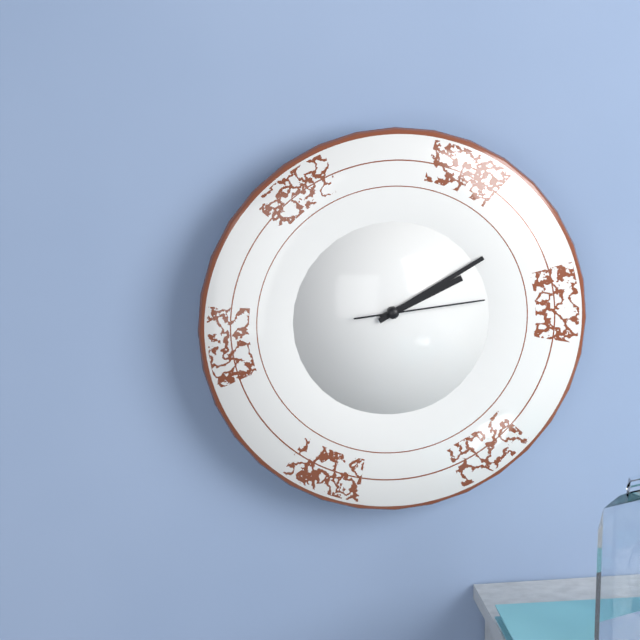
2:10:14
